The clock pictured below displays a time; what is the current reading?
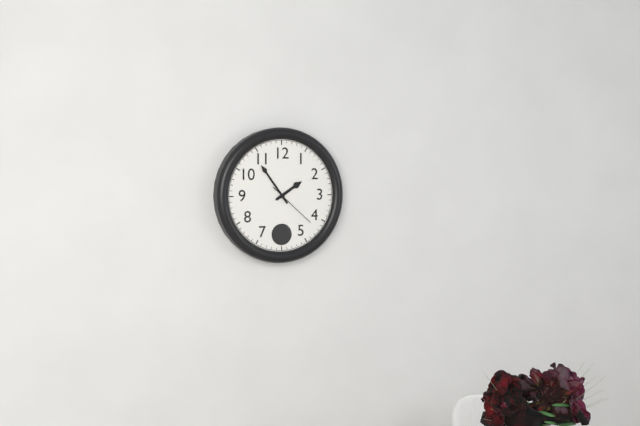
1:54
